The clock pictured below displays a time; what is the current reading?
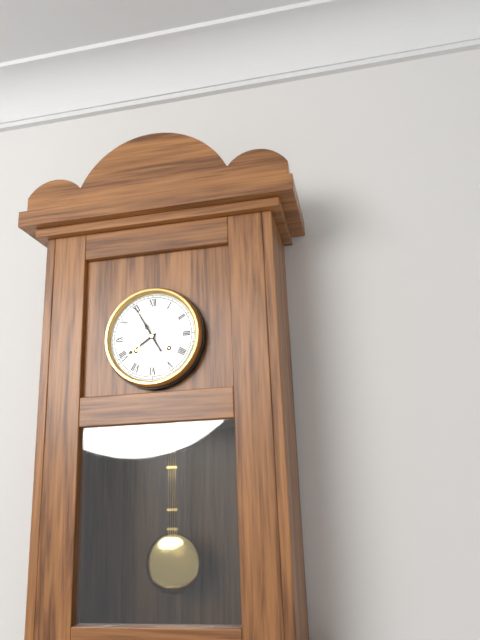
7:55
